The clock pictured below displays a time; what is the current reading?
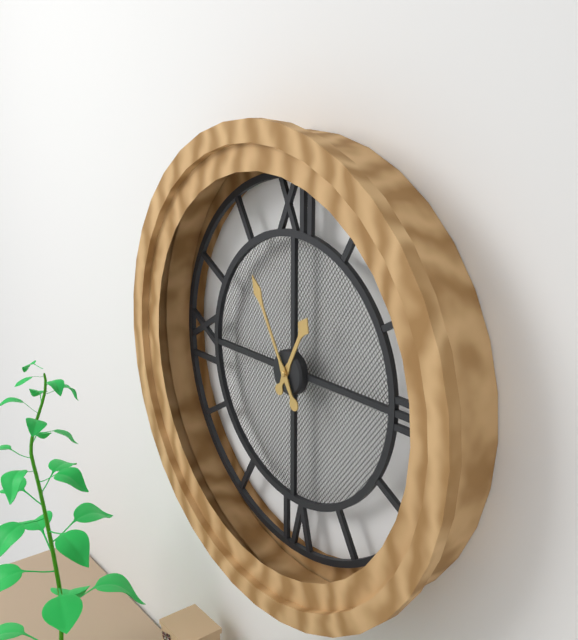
12:55
